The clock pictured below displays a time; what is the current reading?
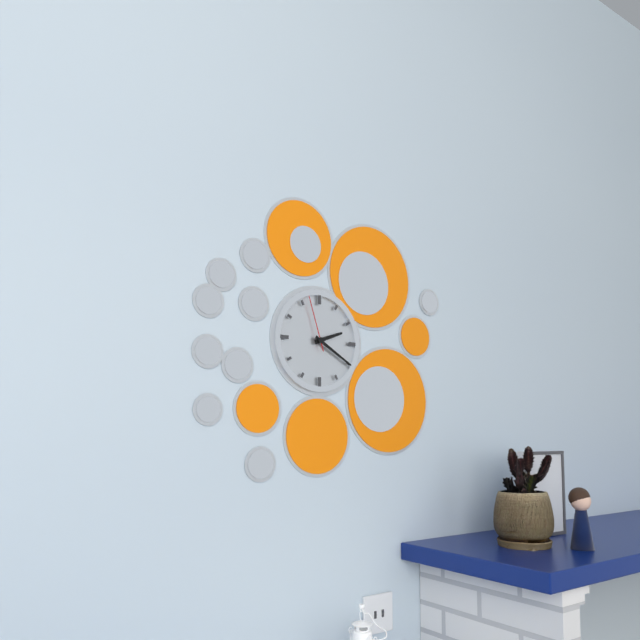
2:20:57
